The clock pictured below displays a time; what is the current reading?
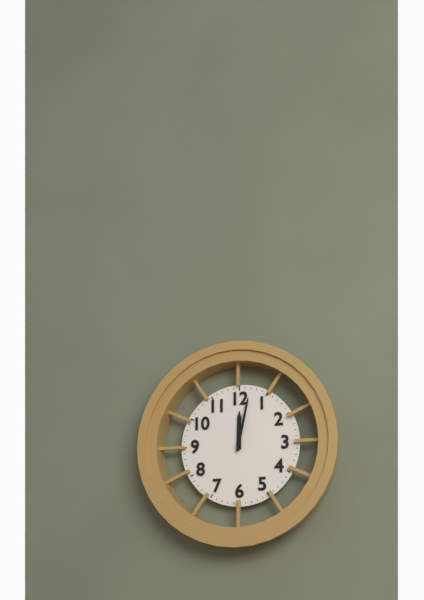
12:02
